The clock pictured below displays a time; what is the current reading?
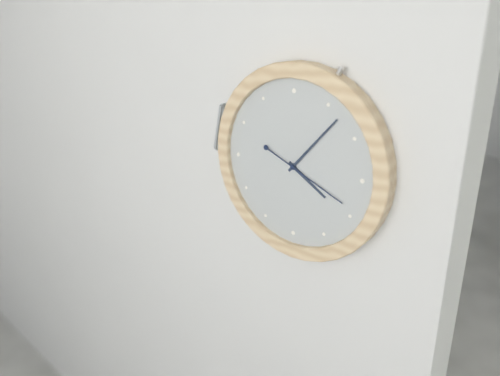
4:07:19
